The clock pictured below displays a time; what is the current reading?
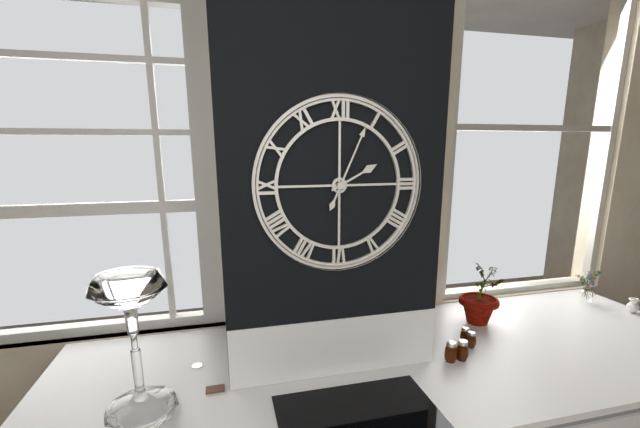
2:04
